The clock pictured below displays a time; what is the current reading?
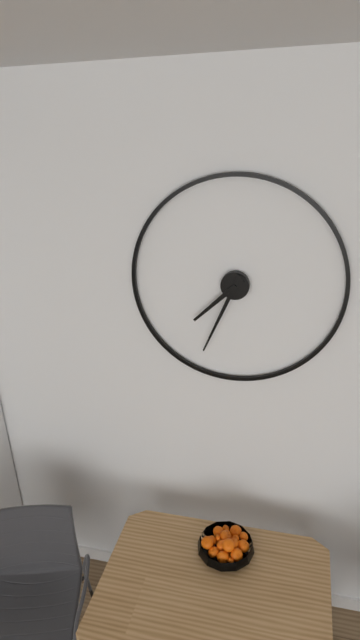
7:34
